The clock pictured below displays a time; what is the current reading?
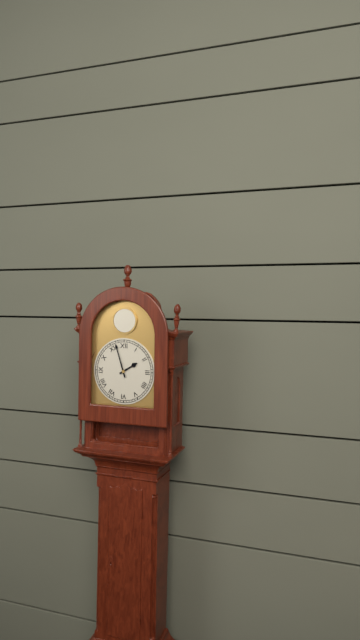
1:57
